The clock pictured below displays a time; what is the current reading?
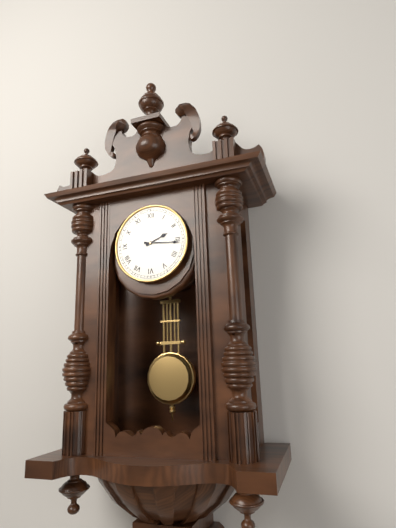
2:16
